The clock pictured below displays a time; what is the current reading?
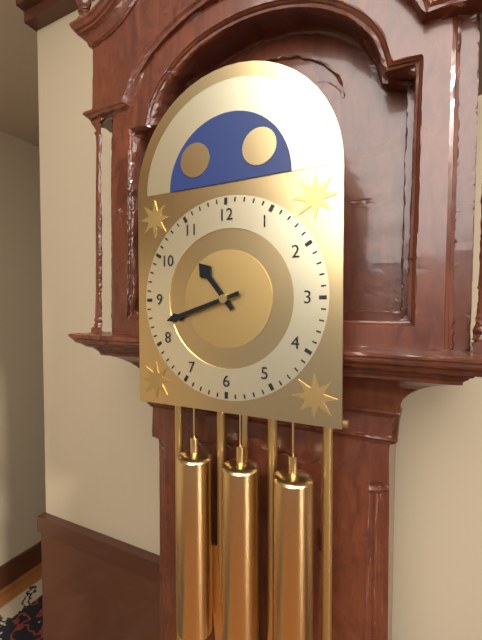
10:42
